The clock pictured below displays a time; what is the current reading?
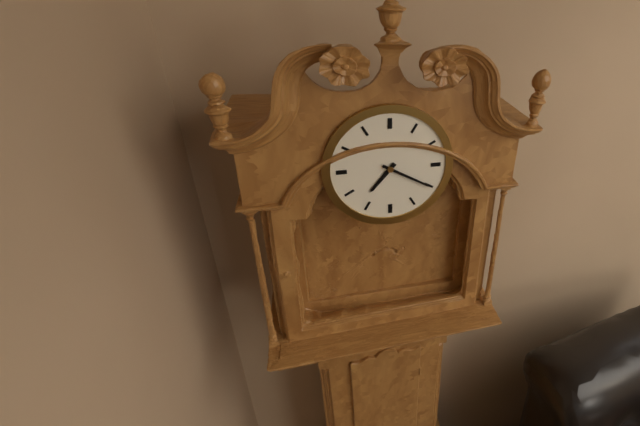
7:20
